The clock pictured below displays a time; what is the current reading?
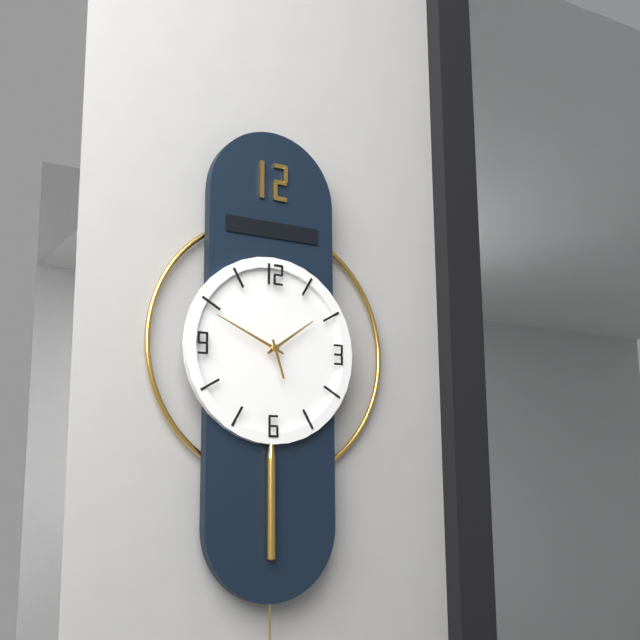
1:49
